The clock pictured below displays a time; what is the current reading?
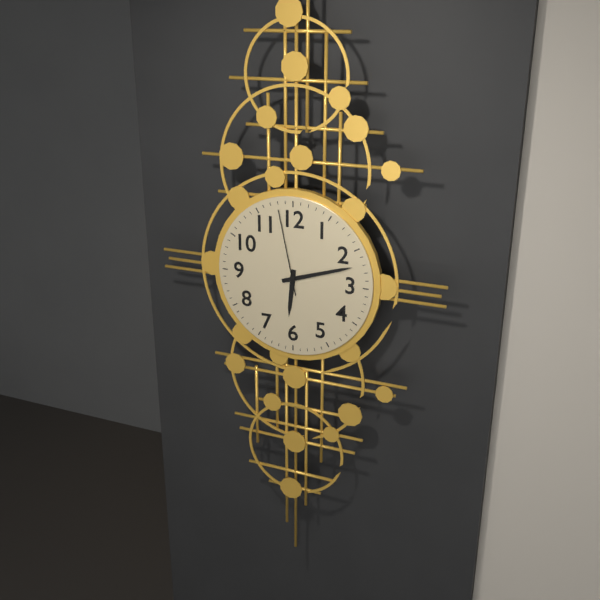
6:12:58
